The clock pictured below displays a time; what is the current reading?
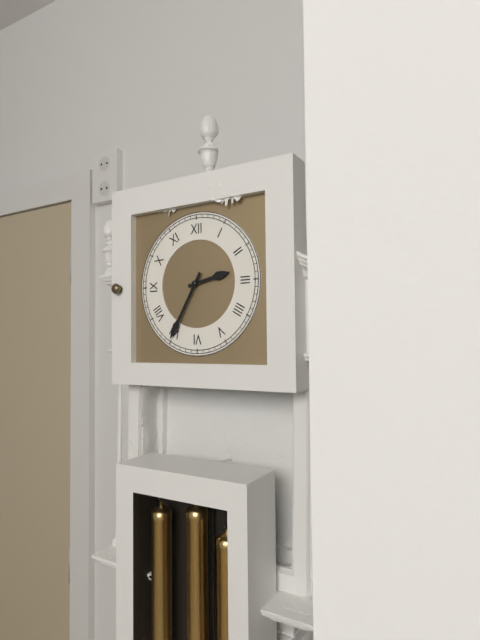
2:35
